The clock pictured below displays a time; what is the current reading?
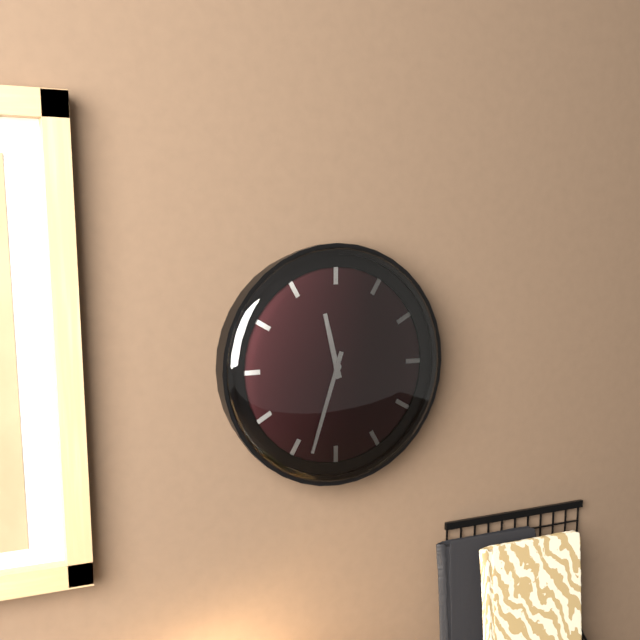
11:33
